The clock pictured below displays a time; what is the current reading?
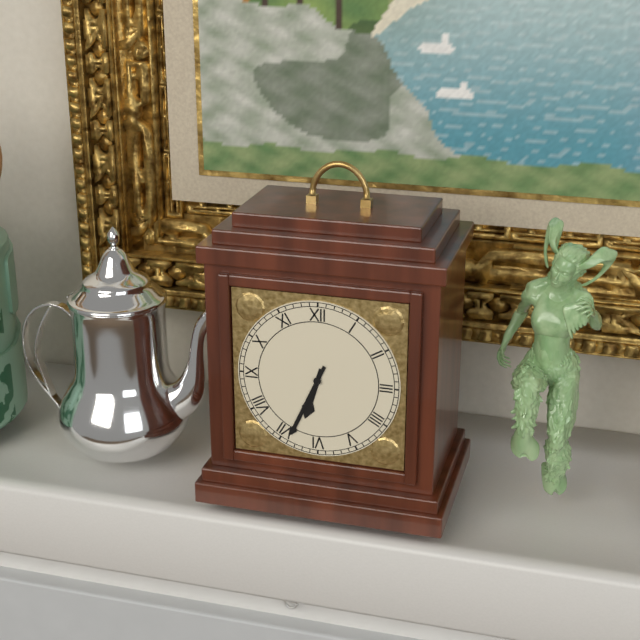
6:34
